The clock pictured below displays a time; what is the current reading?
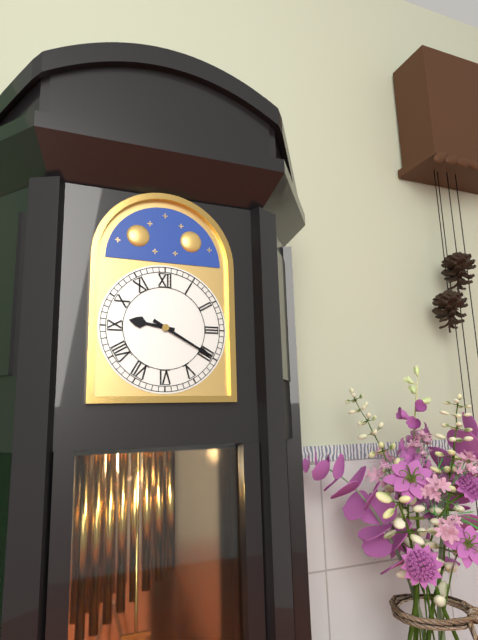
9:20
